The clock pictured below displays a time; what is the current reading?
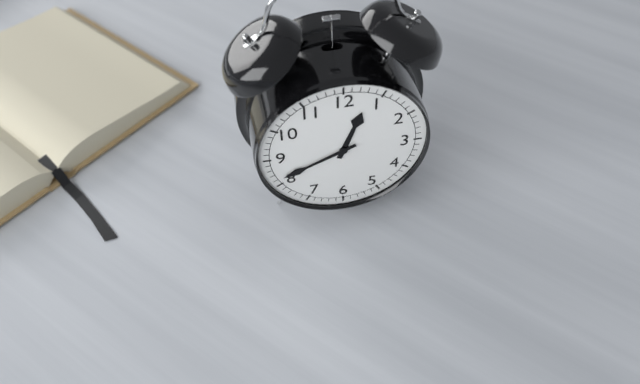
12:41
